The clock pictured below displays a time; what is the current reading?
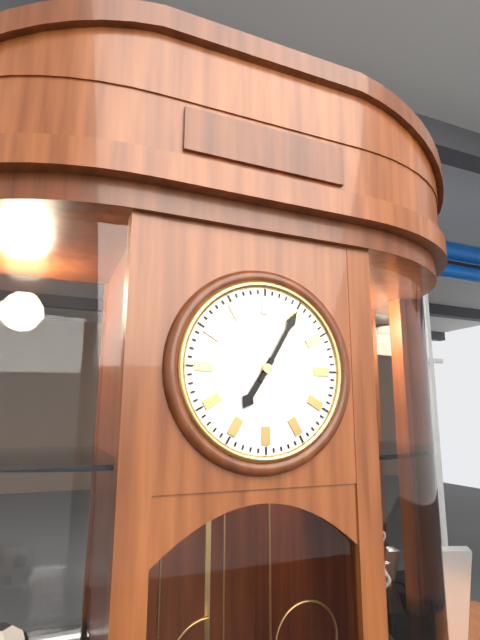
7:05
